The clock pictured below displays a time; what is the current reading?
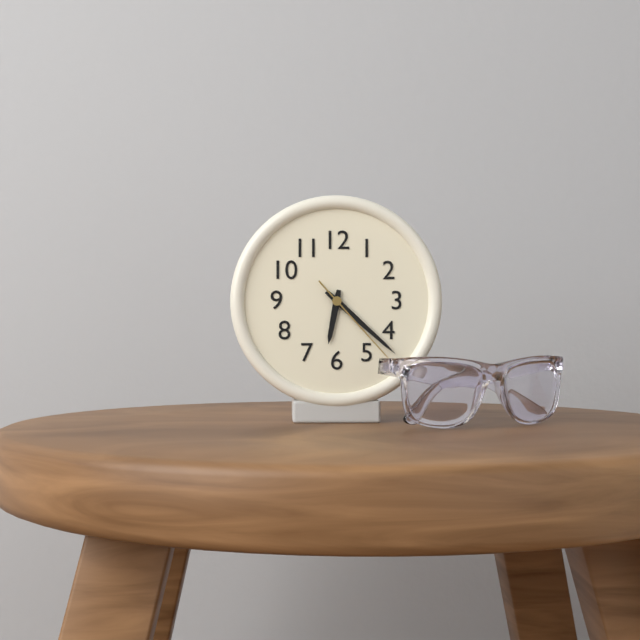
6:22:23
